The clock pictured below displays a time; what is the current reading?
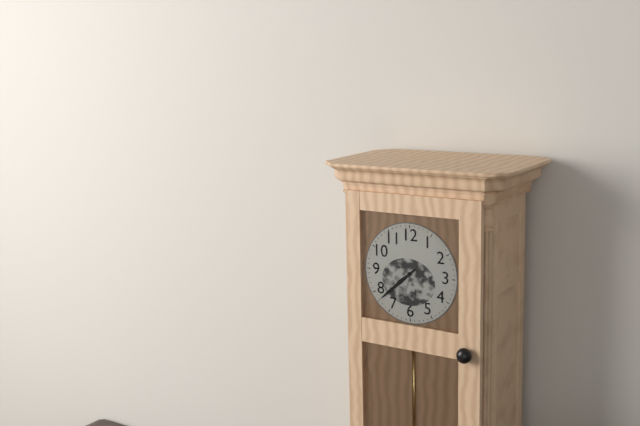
7:38
